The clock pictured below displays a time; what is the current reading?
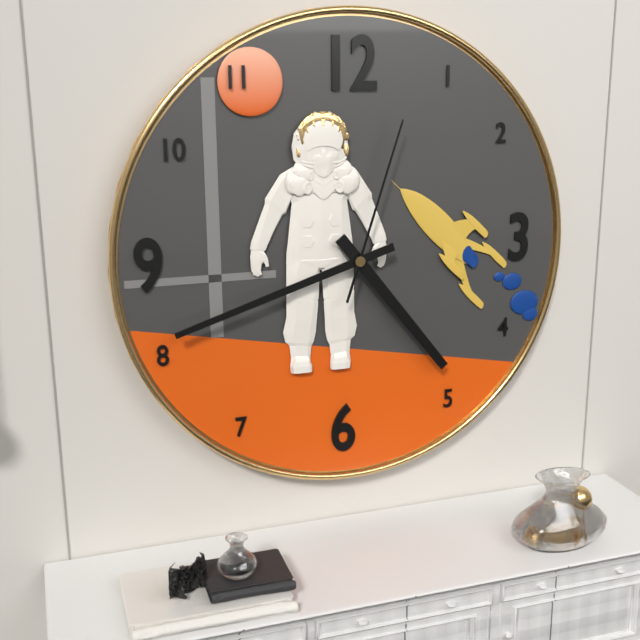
4:42:03
